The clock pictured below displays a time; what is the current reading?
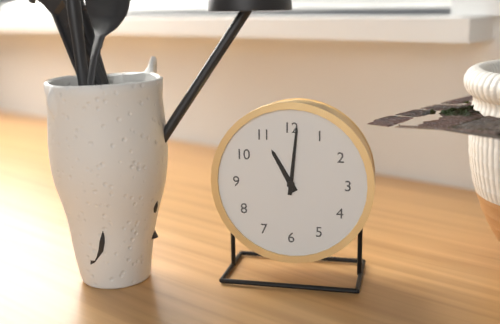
11:01
